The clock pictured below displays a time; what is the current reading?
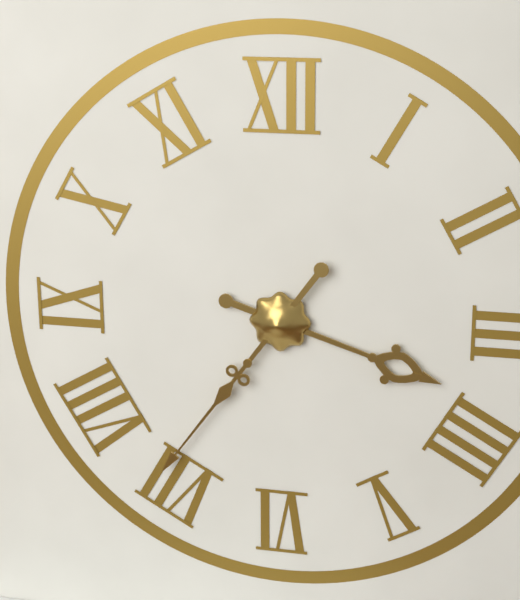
3:36
